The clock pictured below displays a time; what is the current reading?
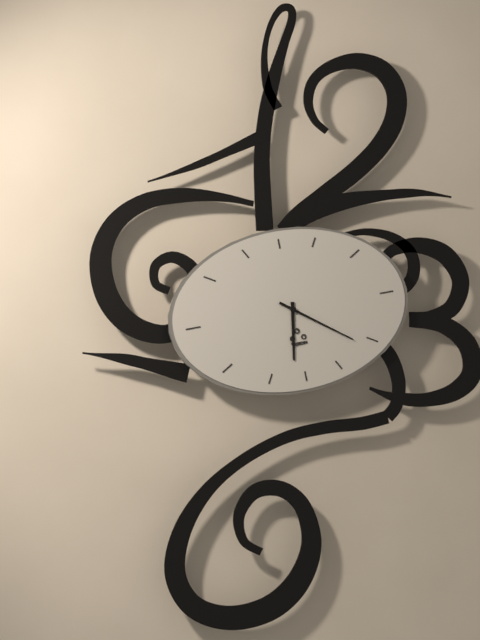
6:21
